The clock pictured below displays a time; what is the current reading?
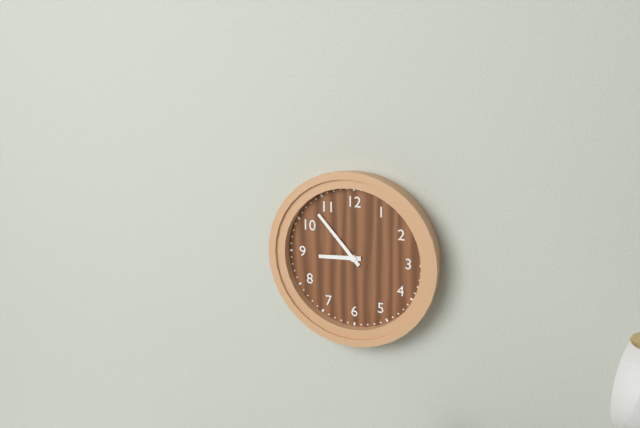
8:53
